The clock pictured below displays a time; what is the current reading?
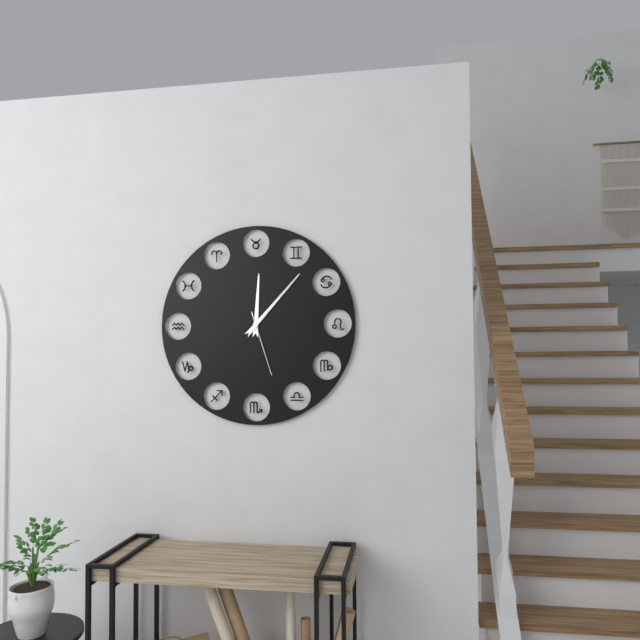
12:07:27
